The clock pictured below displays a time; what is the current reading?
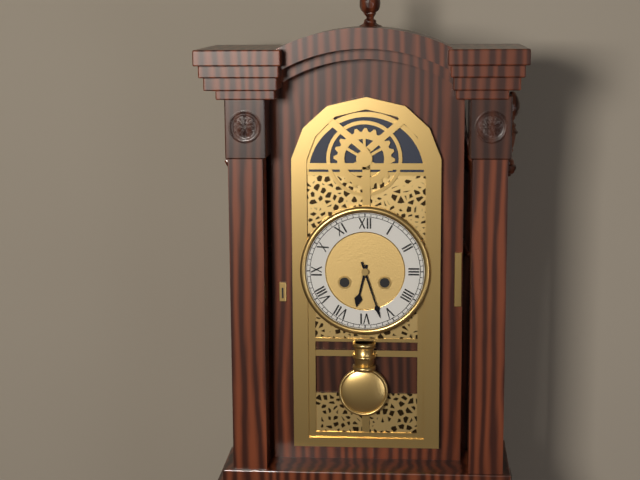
6:27
